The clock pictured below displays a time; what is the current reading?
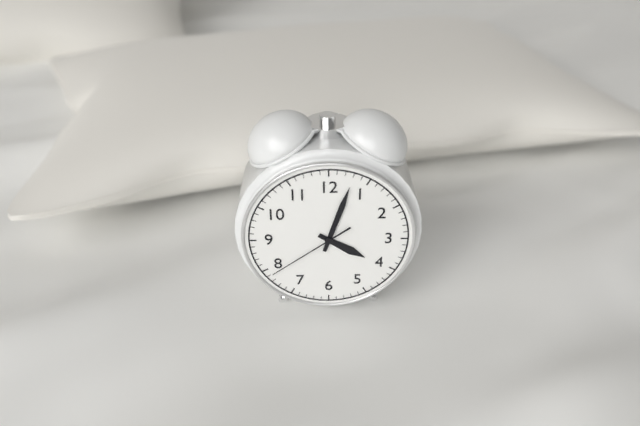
4:03:39
